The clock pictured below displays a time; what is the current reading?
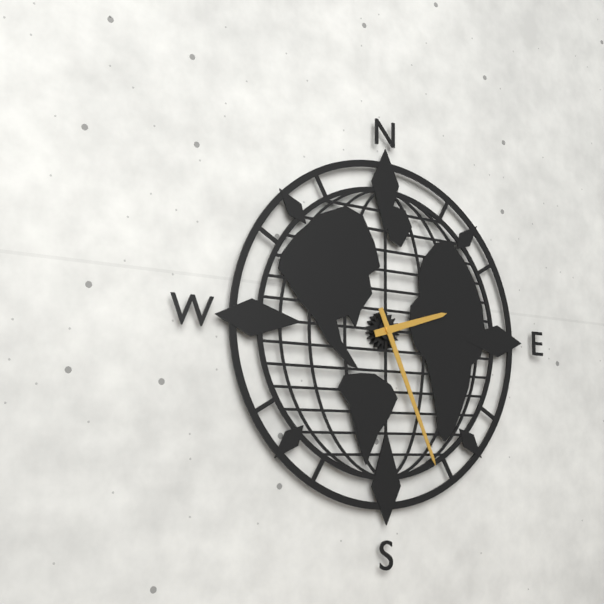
2:26
